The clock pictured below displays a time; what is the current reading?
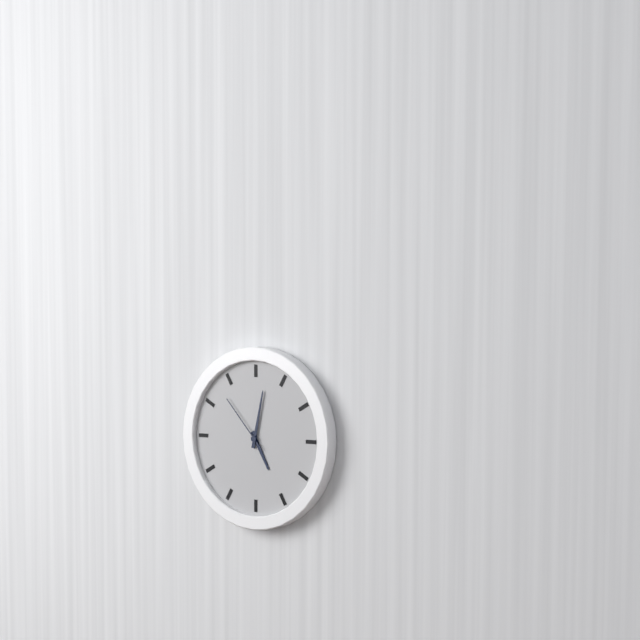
5:02:53
